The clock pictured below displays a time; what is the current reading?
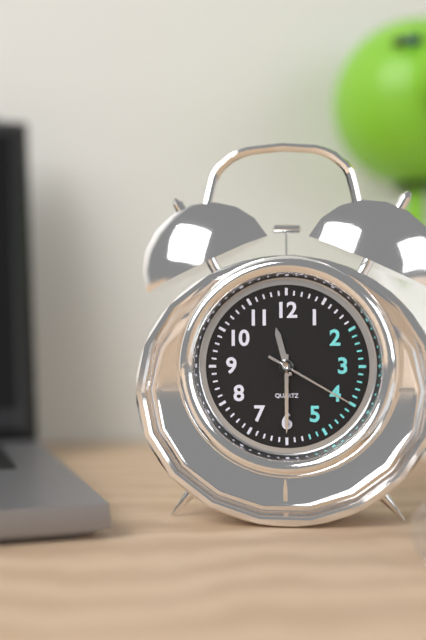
11:30:20
